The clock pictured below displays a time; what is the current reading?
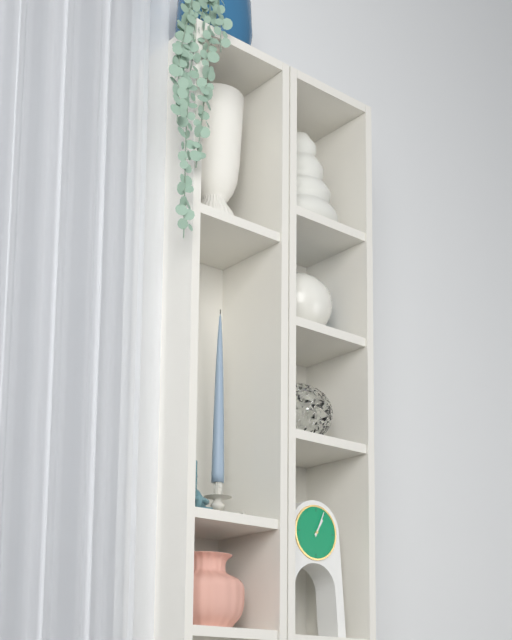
1:04
